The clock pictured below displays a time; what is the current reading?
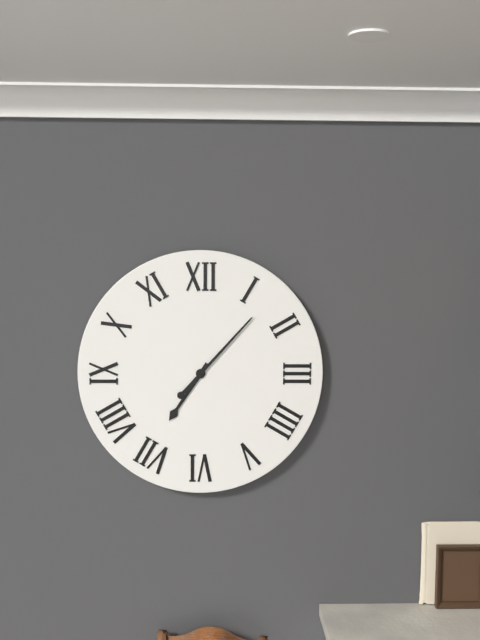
7:07
